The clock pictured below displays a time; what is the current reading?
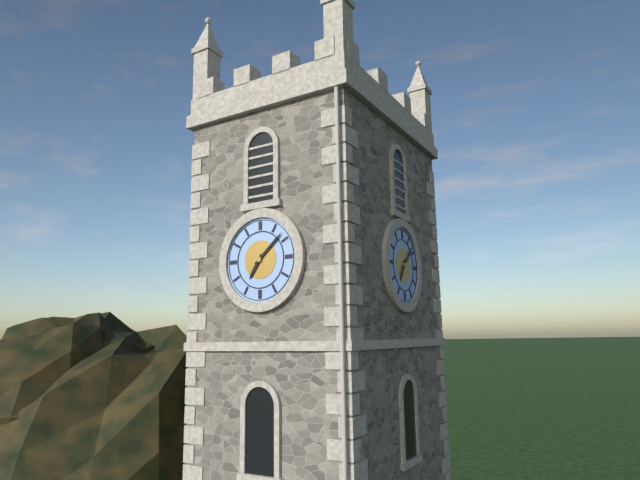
7:08
